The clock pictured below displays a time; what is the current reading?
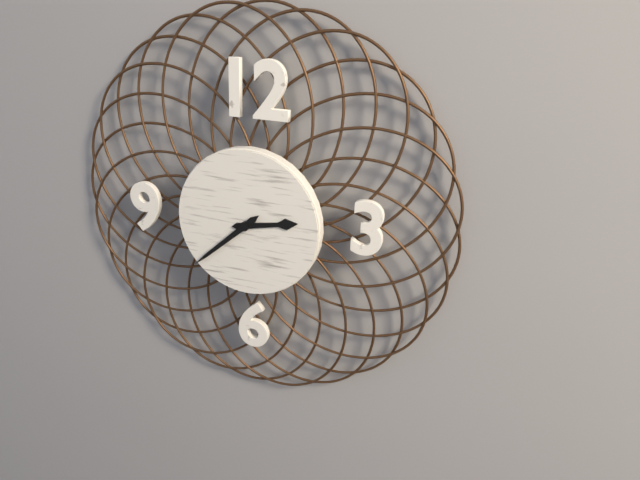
2:38
